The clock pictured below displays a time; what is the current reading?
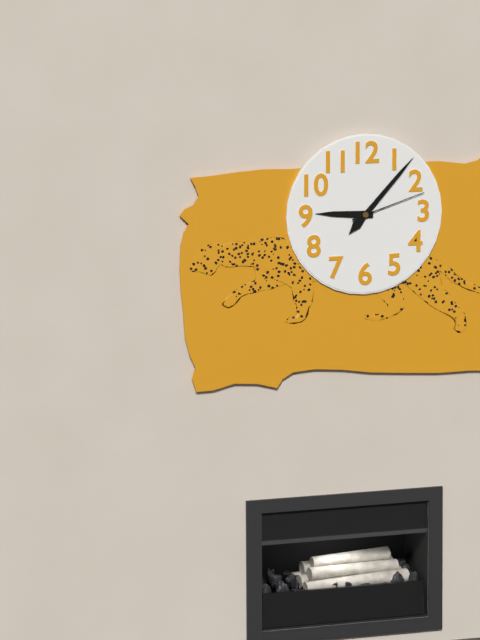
9:07:12
